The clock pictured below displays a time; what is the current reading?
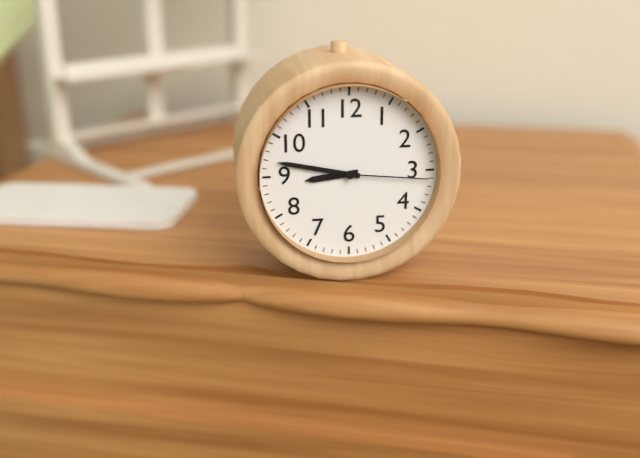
8:47:16
